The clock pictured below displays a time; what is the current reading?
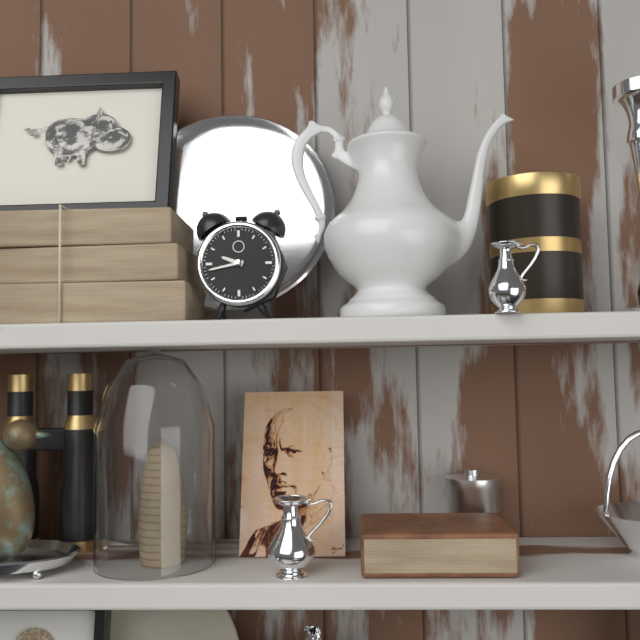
9:43
